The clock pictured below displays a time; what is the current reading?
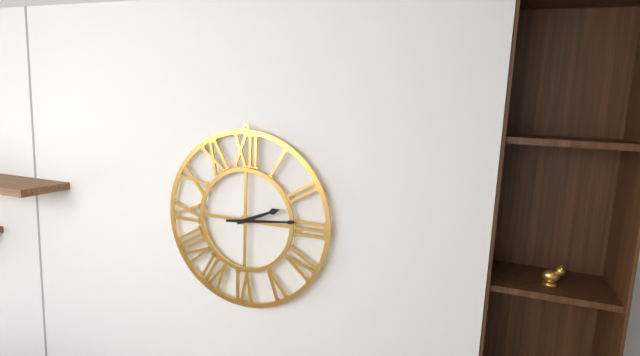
2:14
